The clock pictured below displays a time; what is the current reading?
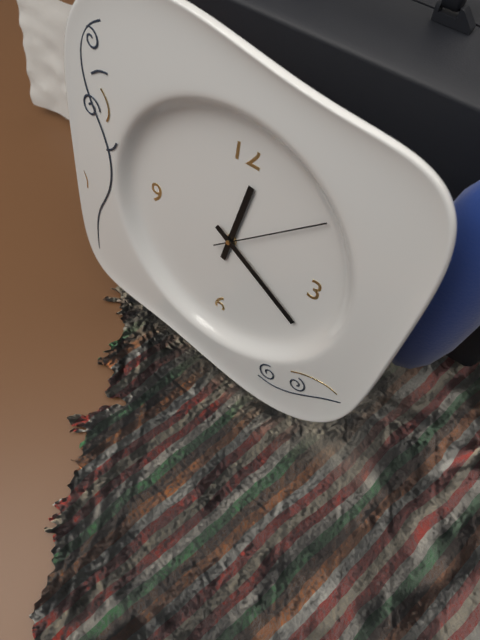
12:20:08
